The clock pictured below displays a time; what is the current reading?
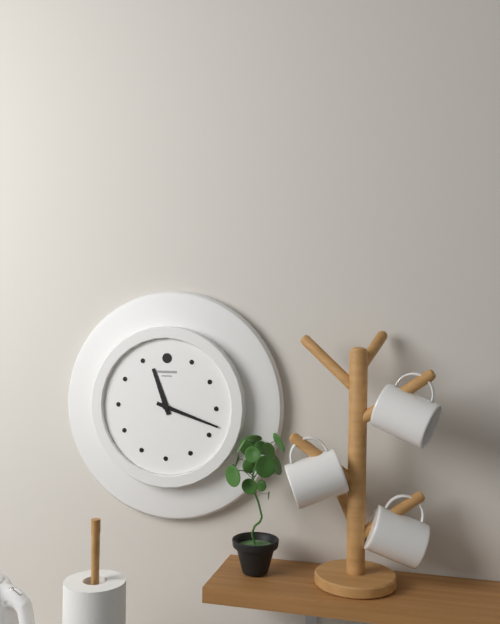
11:18
